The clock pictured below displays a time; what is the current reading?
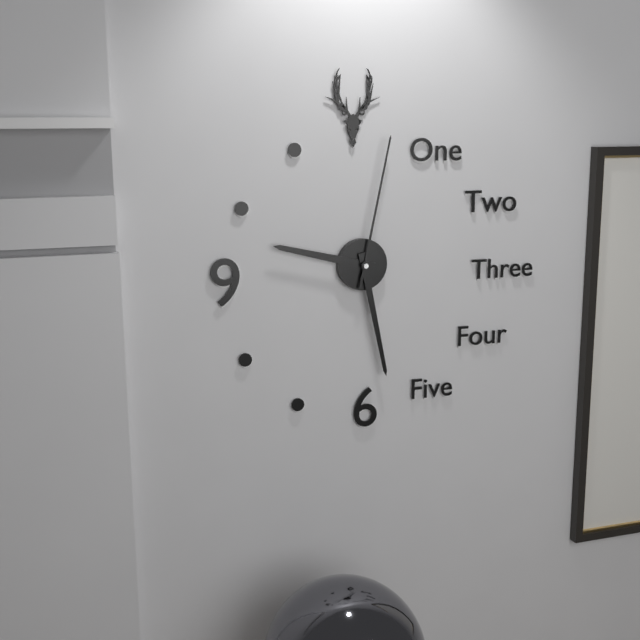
9:28:02
